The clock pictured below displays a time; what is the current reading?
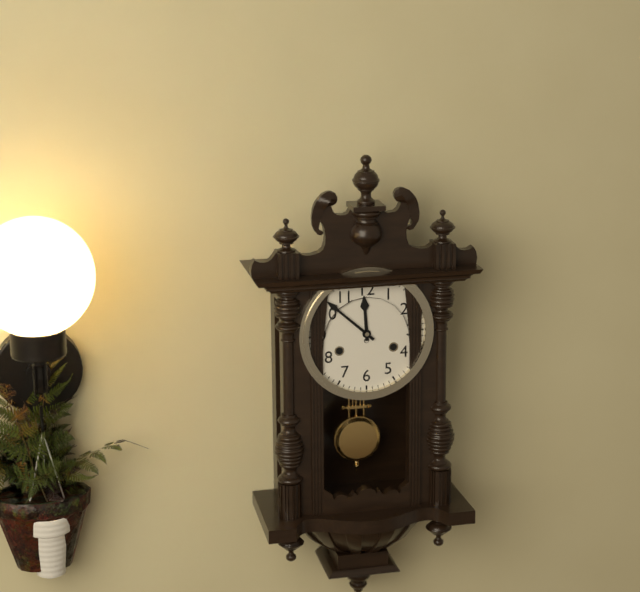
11:52
